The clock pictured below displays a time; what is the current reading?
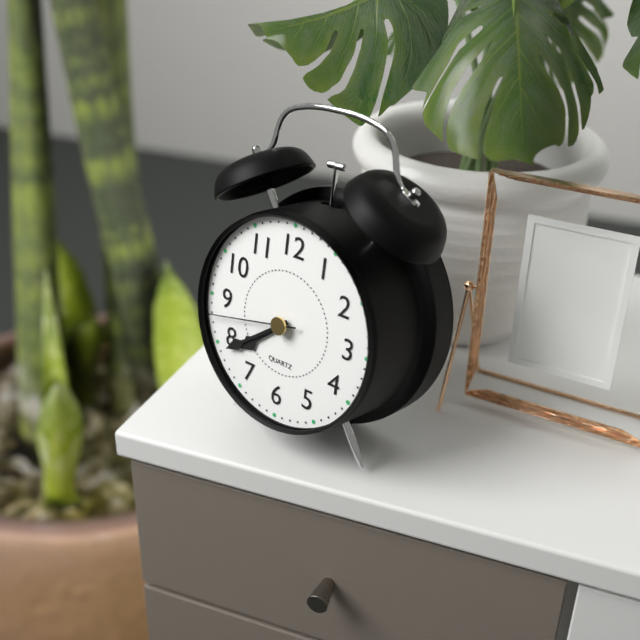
7:39:43
